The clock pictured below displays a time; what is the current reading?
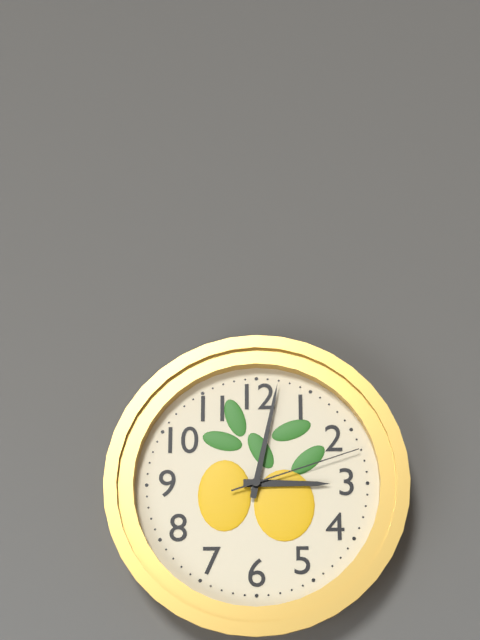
3:02:12
